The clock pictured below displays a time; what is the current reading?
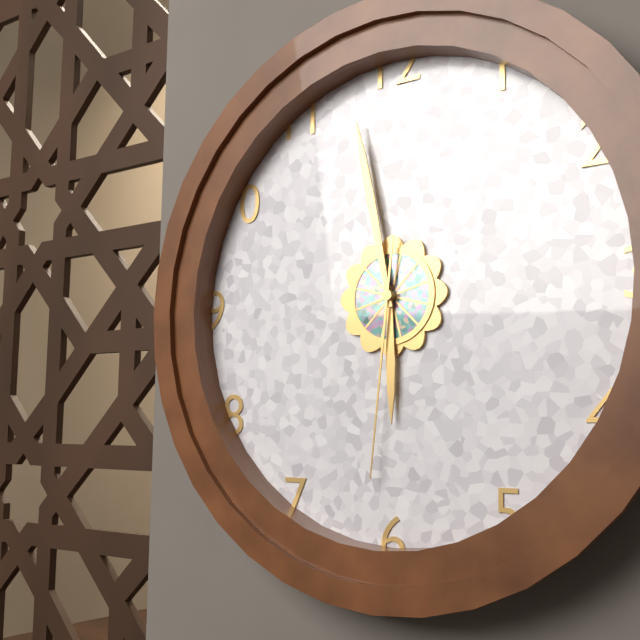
5:58:31
